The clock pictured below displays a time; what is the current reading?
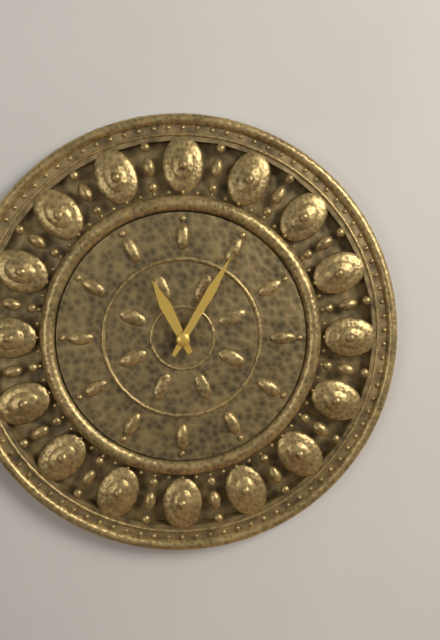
11:05
